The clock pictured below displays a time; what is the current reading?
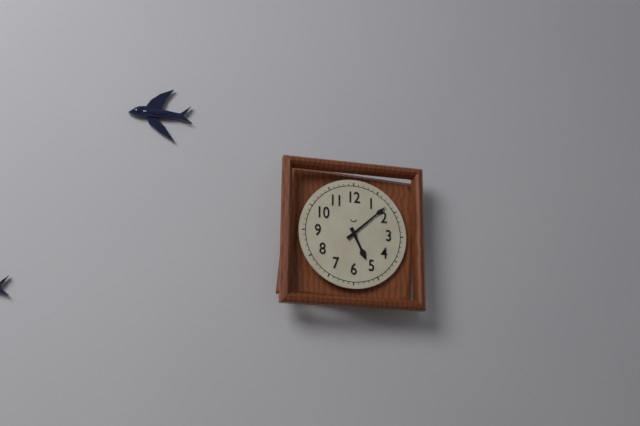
5:08
